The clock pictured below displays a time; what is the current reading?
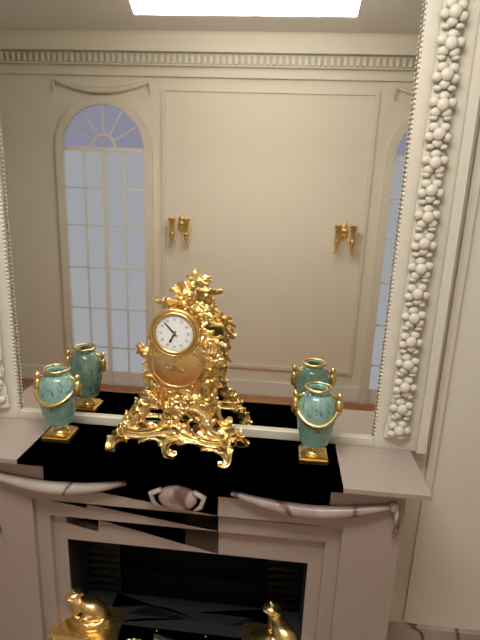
6:53
